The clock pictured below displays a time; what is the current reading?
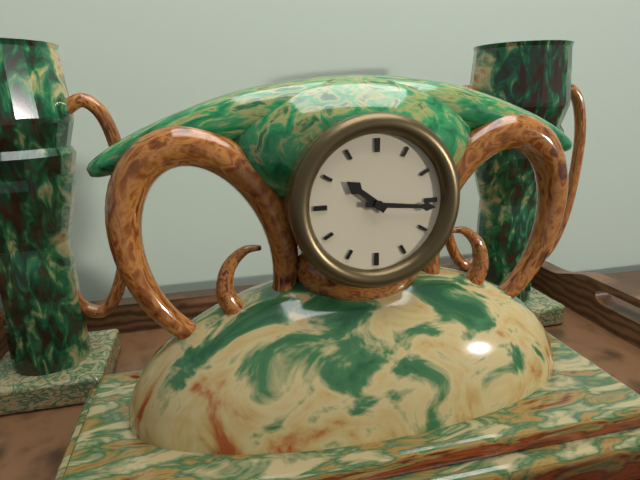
10:16
